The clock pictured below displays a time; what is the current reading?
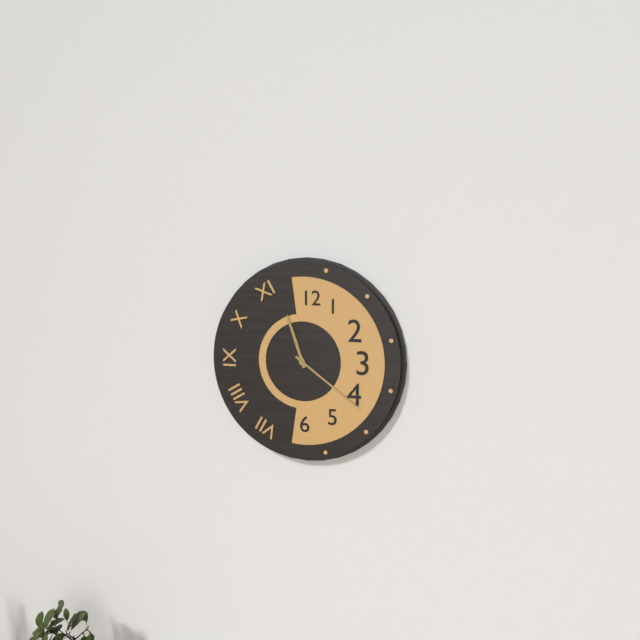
11:21
